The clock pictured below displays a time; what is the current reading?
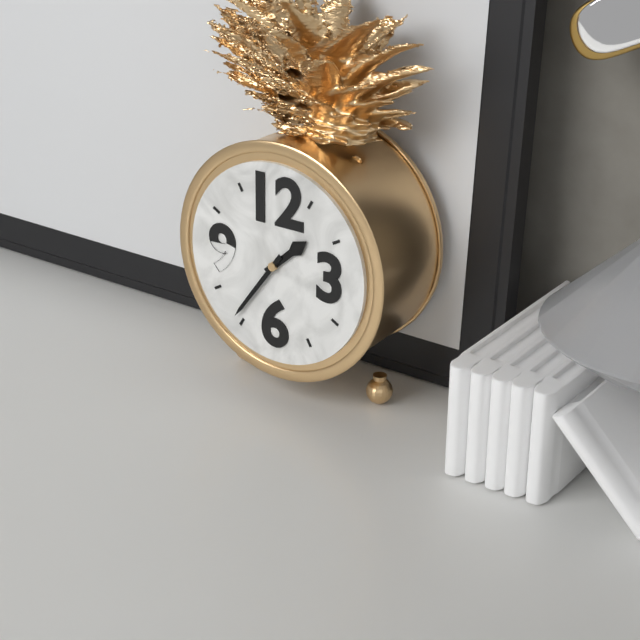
1:36
